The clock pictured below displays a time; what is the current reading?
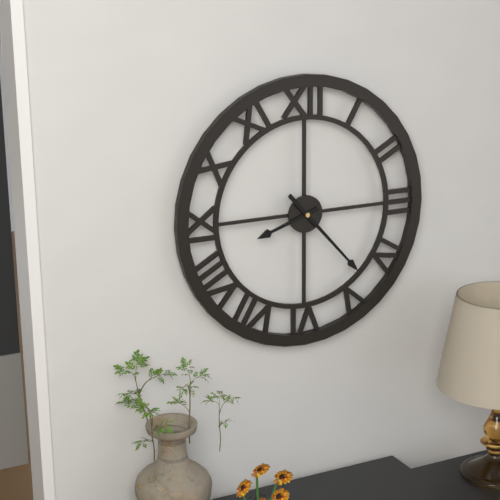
8:23
